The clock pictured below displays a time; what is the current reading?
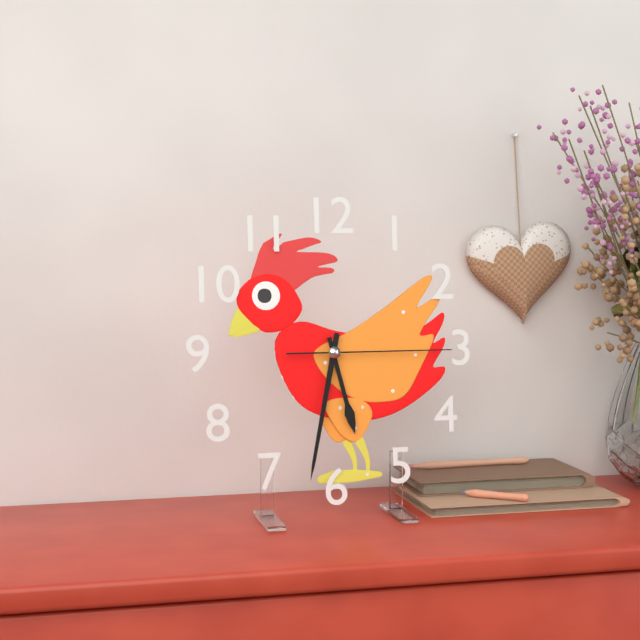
5:32:15
